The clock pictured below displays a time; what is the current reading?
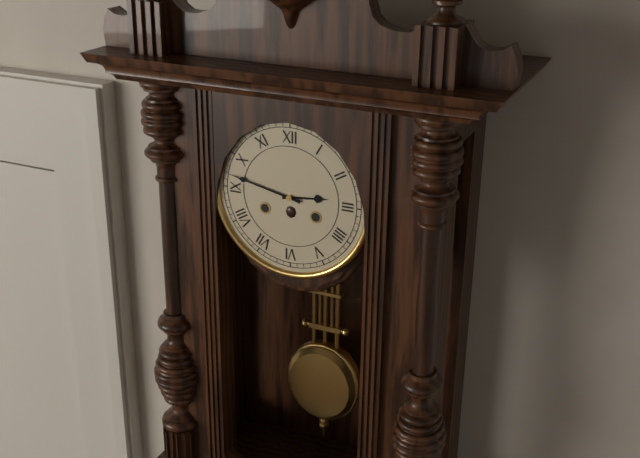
2:47
